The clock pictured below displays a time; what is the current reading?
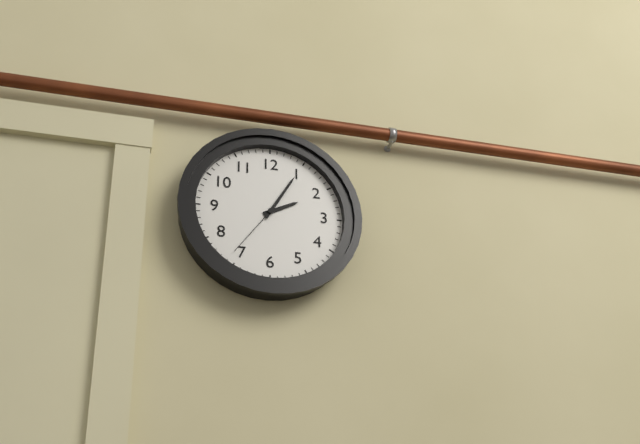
2:05:36
